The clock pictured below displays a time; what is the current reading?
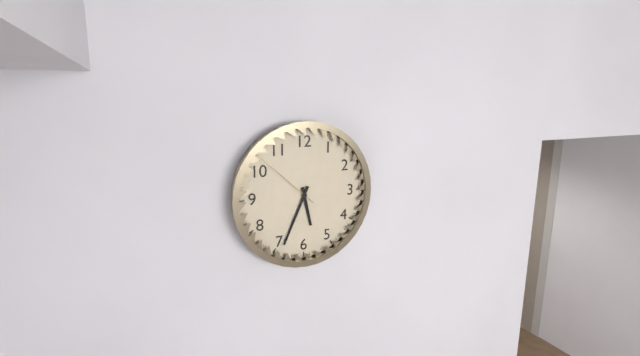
5:34:52
